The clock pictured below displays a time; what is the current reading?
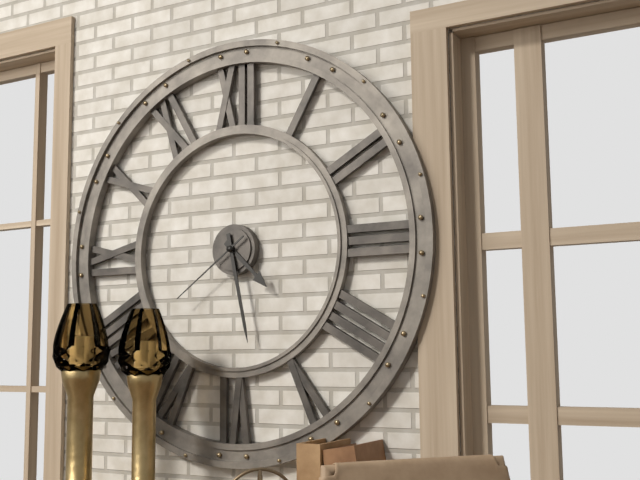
4:28:39
